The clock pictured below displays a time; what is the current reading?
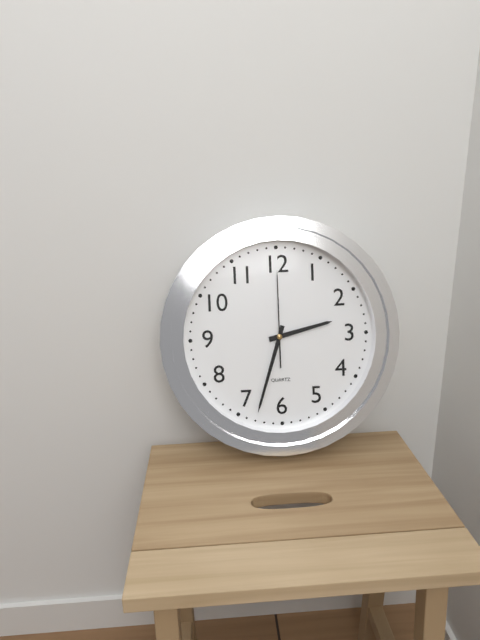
2:33:00
